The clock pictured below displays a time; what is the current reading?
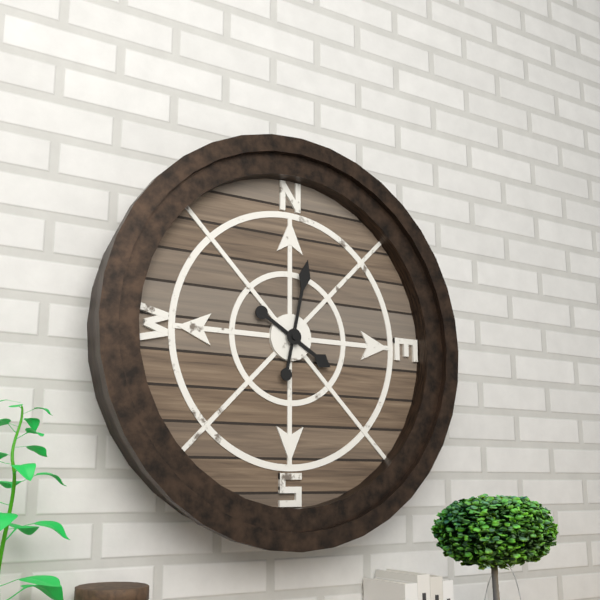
4:02
